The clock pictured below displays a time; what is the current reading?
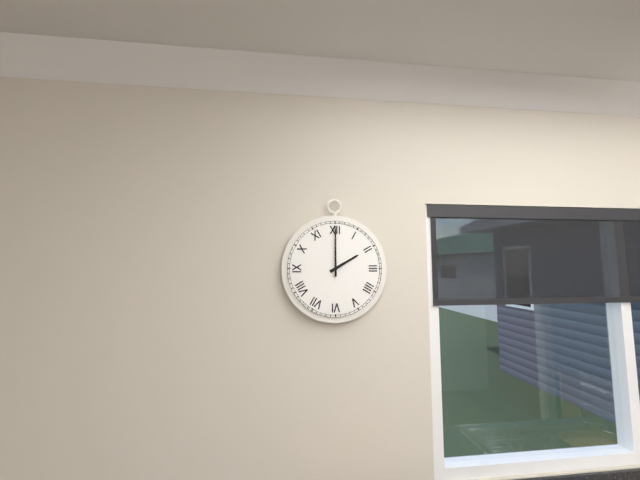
2:00
